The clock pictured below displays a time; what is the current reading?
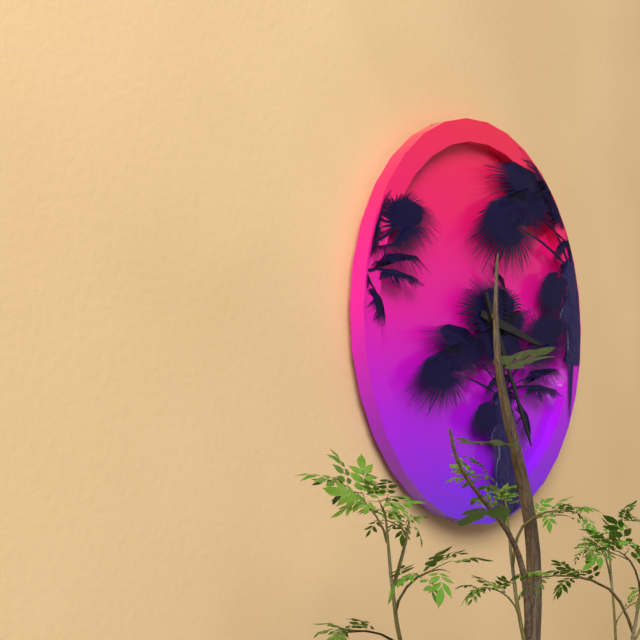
3:25
